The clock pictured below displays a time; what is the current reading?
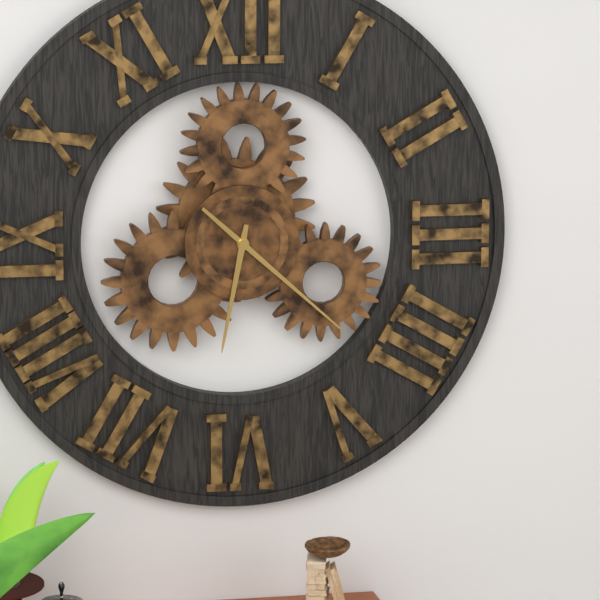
6:22
